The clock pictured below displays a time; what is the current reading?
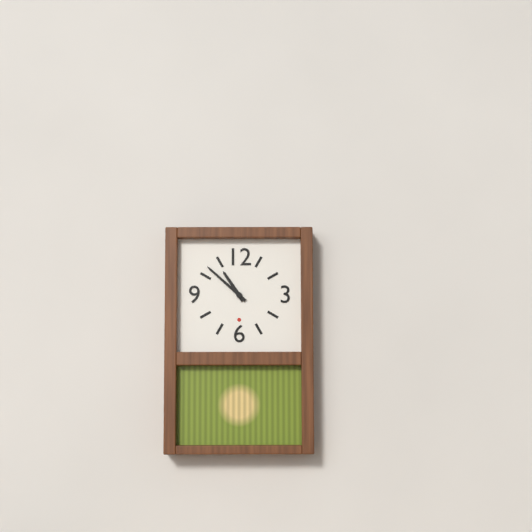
10:52
